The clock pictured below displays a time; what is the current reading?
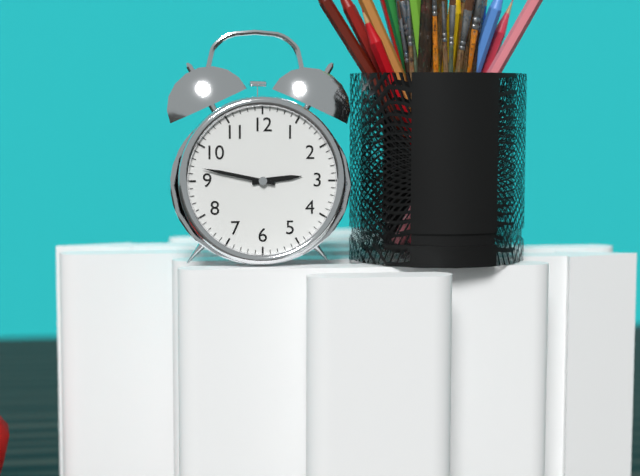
2:47
